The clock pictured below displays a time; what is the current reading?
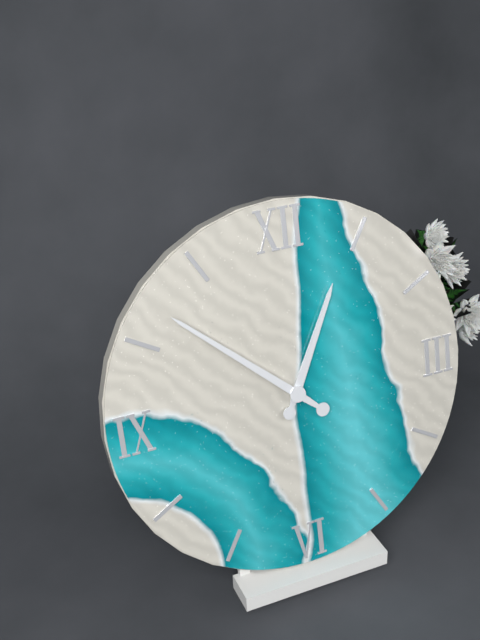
12:52
